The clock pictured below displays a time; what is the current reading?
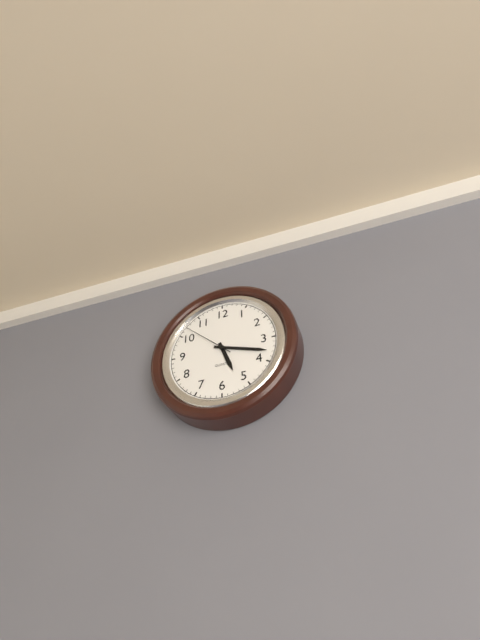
5:18
